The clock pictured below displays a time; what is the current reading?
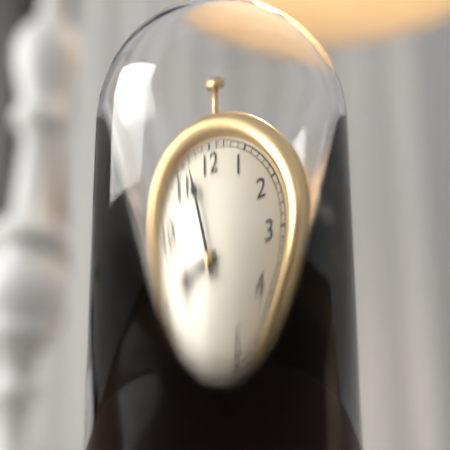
8:57
